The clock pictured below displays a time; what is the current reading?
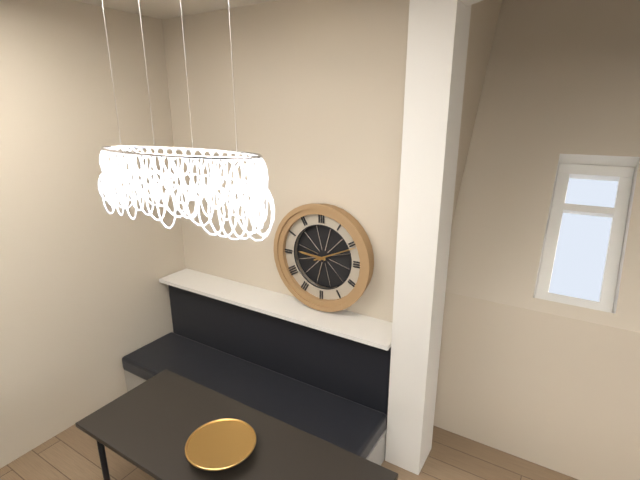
9:11
